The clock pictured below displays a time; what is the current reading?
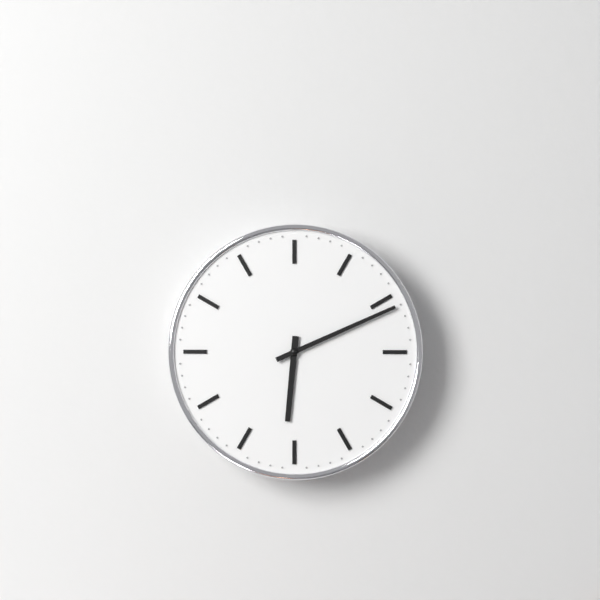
6:11
